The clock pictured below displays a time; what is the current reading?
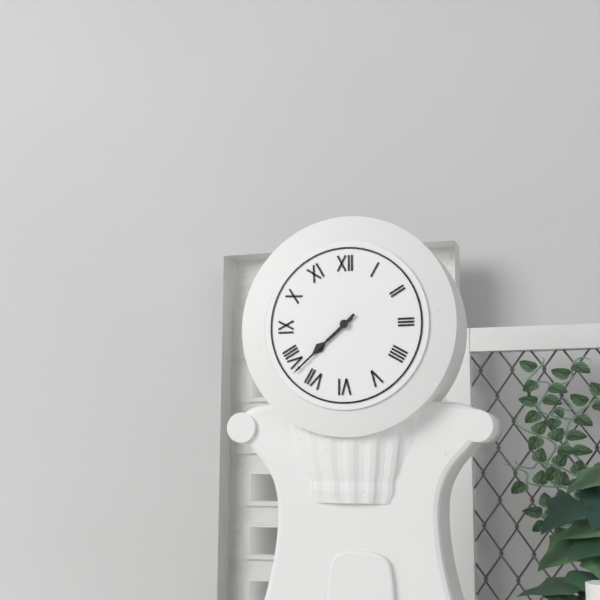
7:38
